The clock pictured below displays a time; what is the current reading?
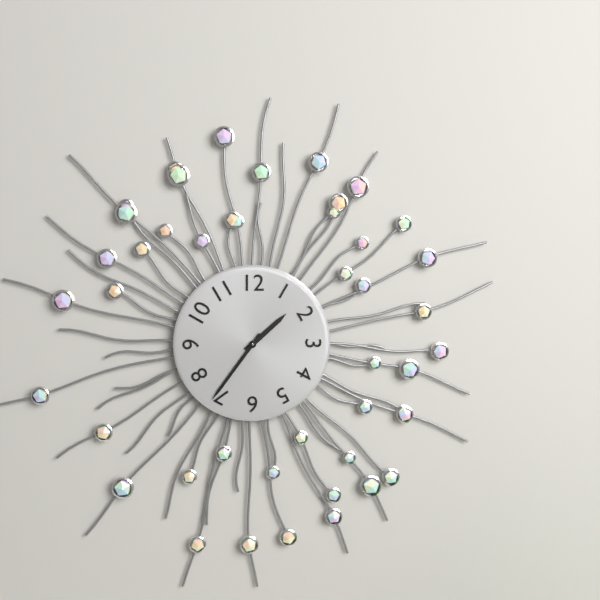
1:36
